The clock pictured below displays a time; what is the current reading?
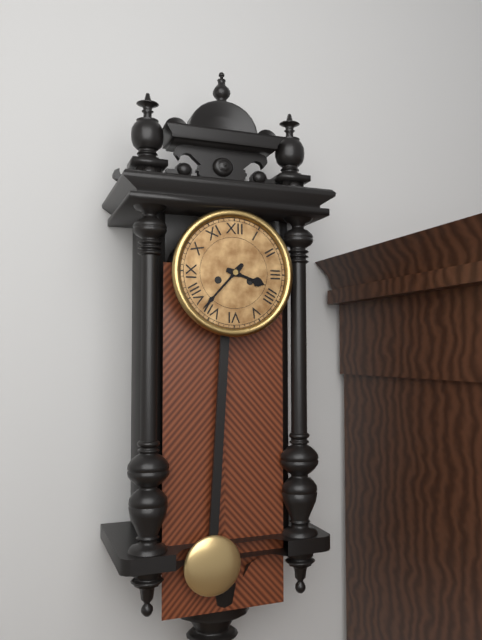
3:37
